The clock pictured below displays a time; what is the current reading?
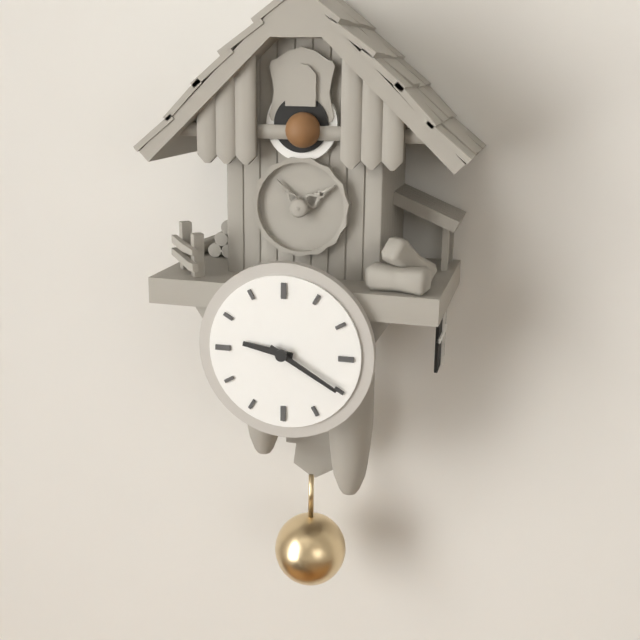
9:20
